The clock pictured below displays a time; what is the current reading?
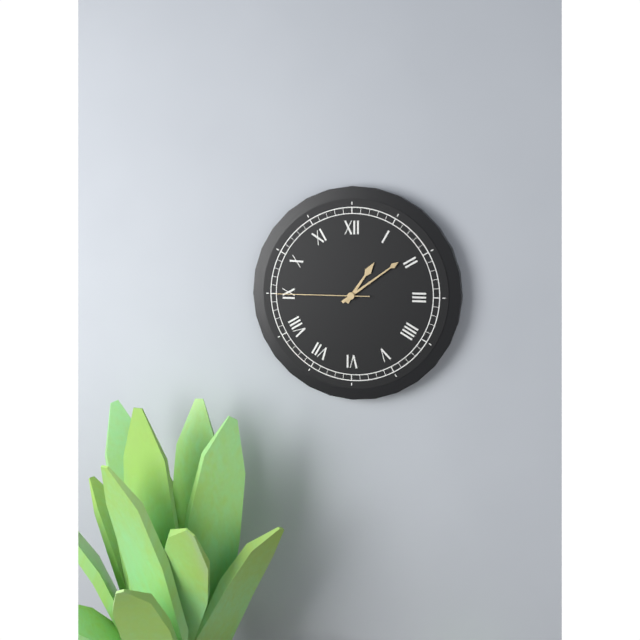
1:09:45
